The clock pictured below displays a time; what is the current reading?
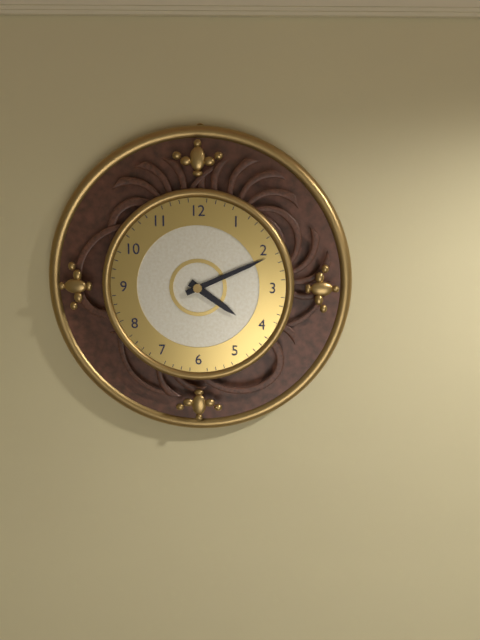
4:11
